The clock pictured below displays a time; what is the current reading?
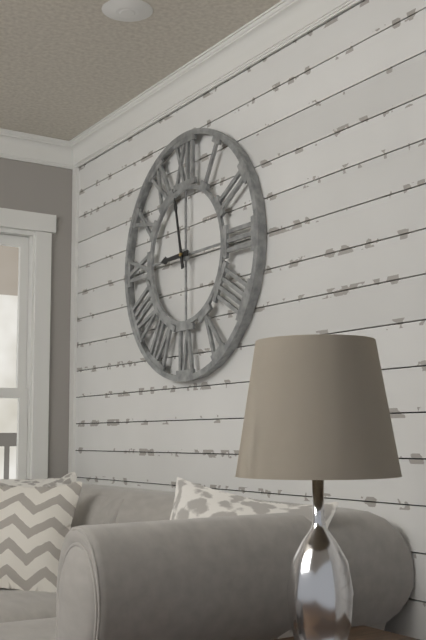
8:58
